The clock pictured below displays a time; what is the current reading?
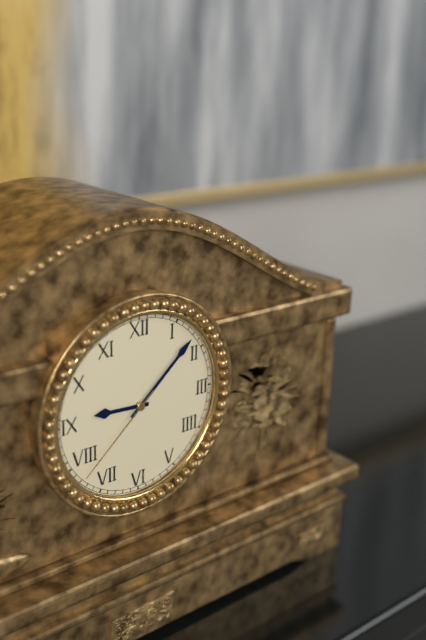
9:08:38
